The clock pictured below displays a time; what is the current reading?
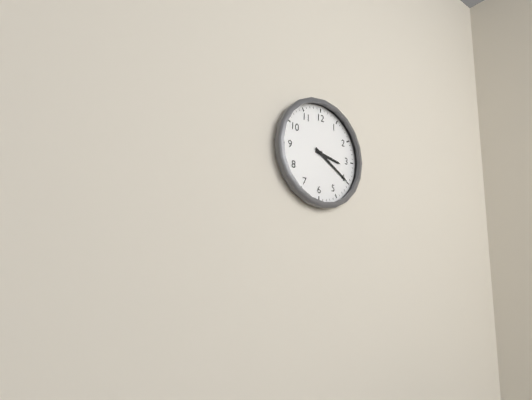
3:20
